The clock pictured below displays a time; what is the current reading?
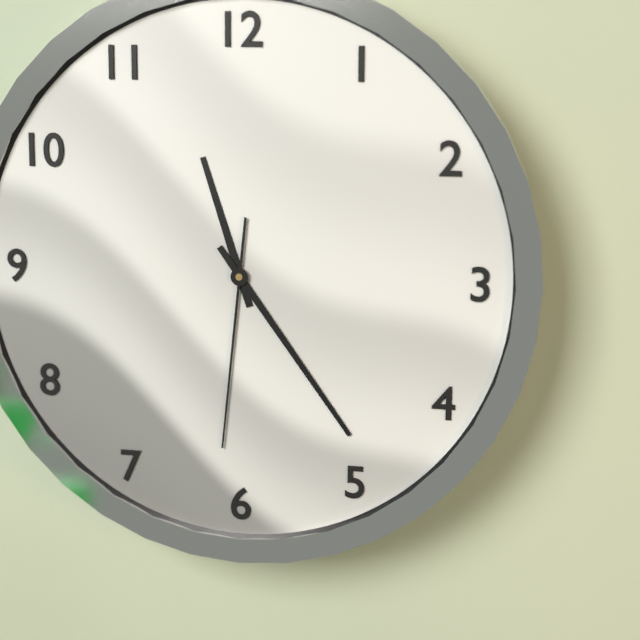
11:24:31
